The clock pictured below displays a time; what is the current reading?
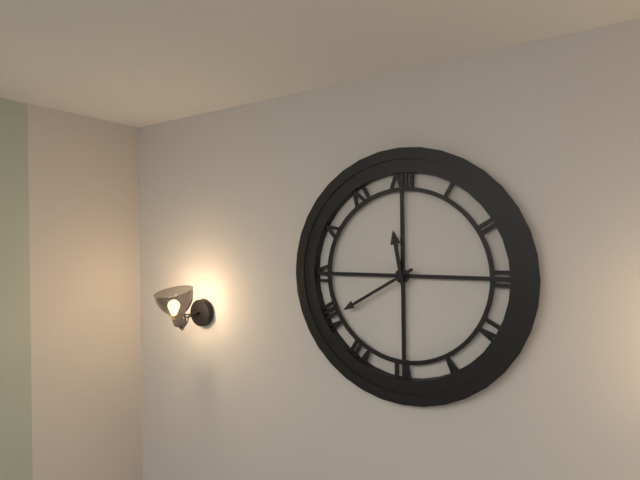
11:40
